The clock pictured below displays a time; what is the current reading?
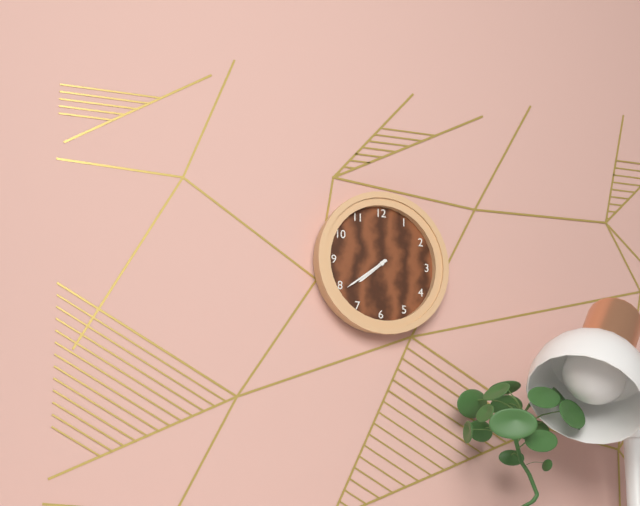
7:39
